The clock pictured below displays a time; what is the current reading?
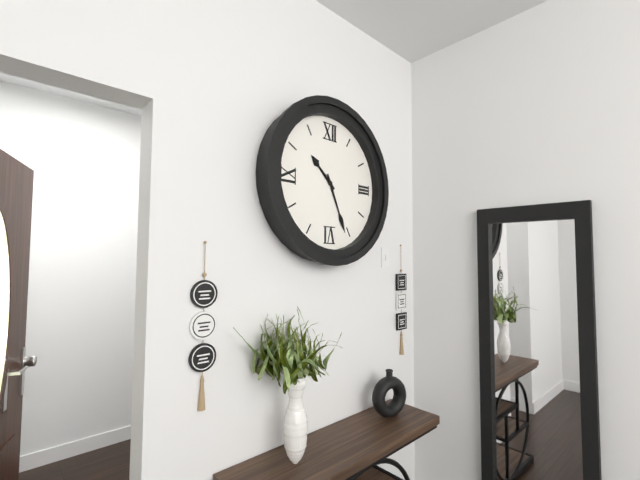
10:26
